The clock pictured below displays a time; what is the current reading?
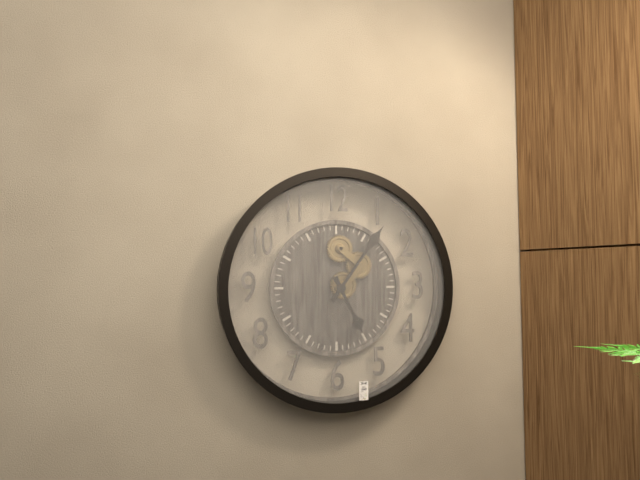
5:06
